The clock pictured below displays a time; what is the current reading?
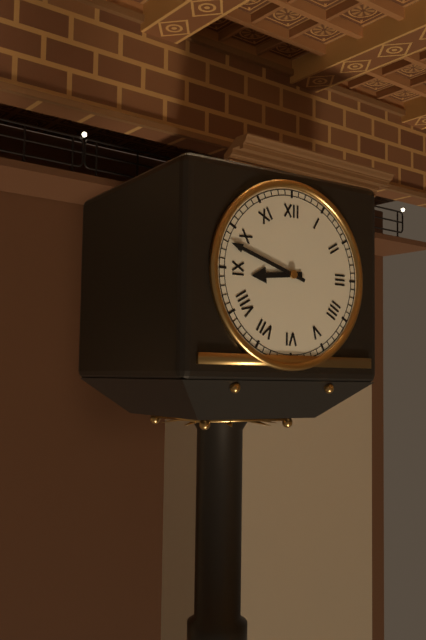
8:48
